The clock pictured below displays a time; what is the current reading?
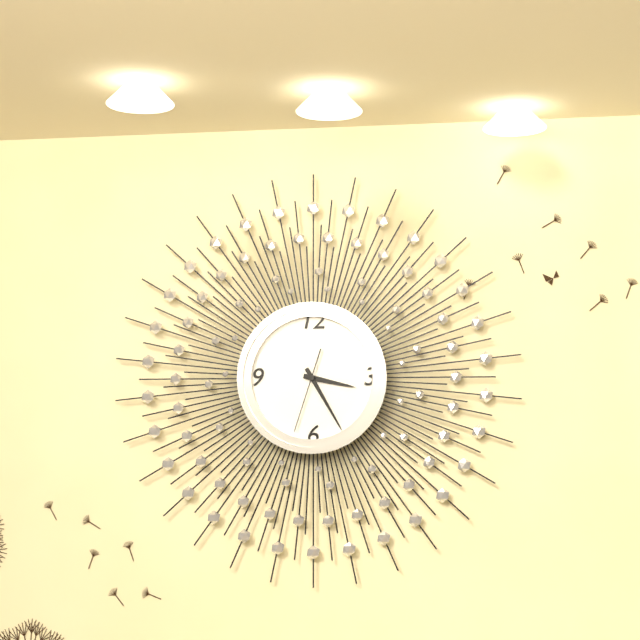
3:25:33
